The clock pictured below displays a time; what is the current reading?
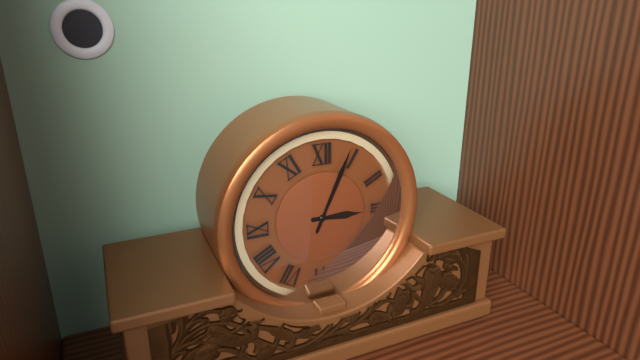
3:04
